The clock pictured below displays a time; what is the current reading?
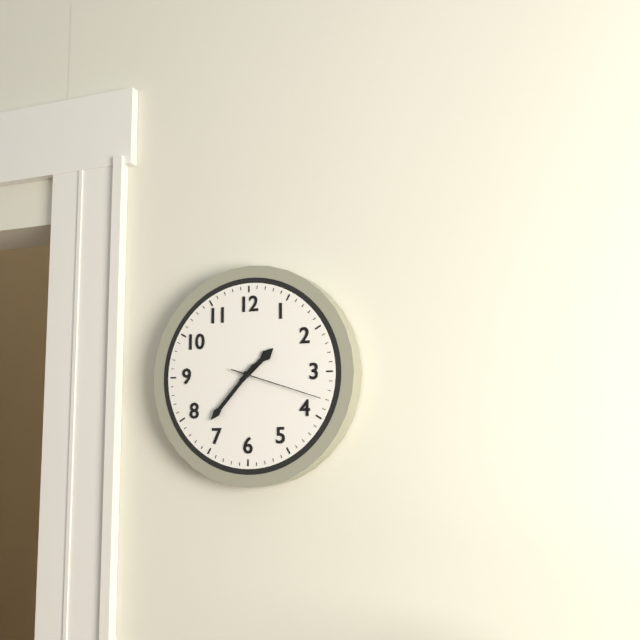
1:37:18
